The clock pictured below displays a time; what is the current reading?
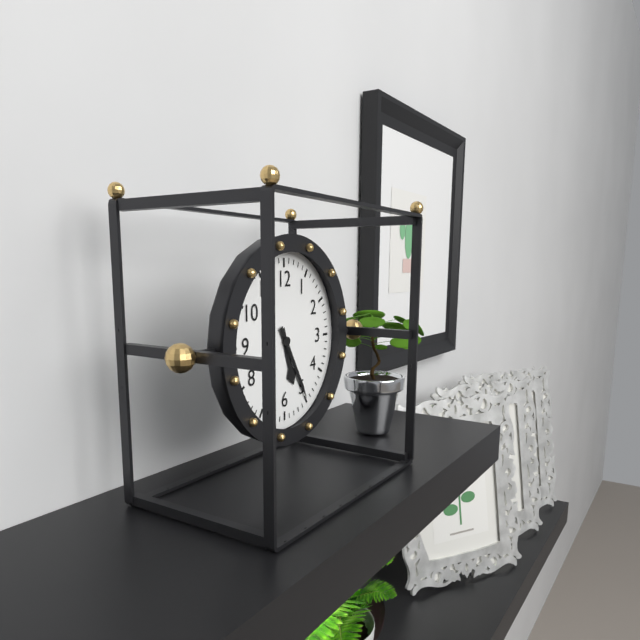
5:25
